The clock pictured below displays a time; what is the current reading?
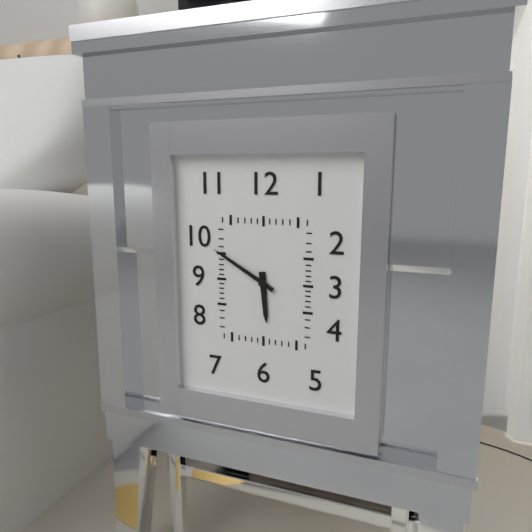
5:50
